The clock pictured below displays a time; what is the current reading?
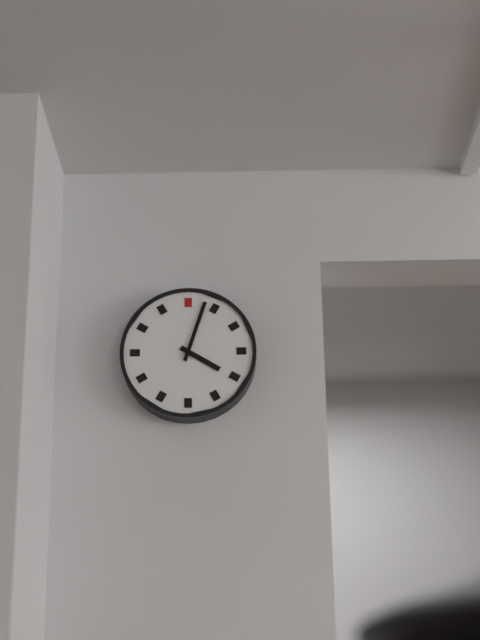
4:03
